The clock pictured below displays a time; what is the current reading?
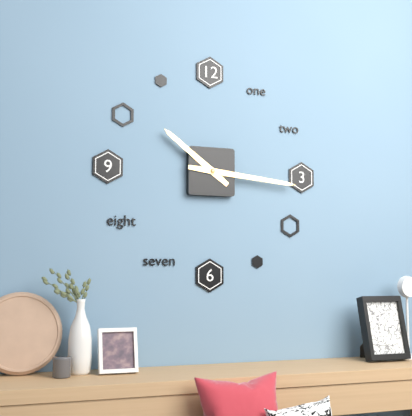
10:16
